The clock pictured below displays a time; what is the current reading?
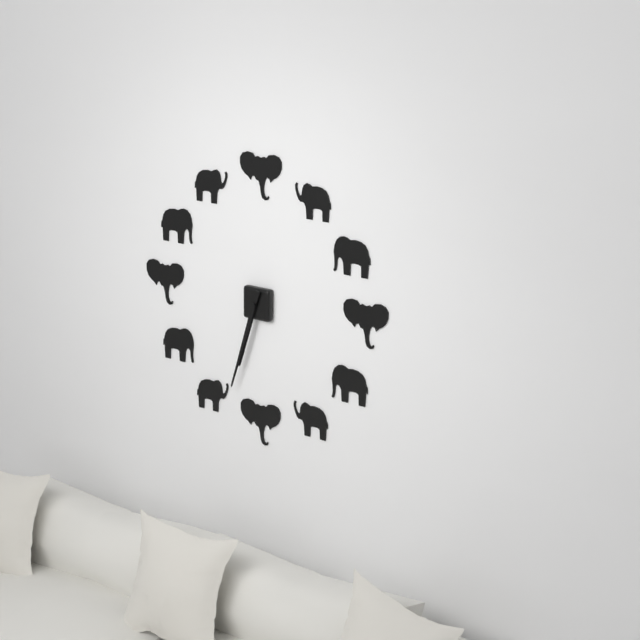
6:33
